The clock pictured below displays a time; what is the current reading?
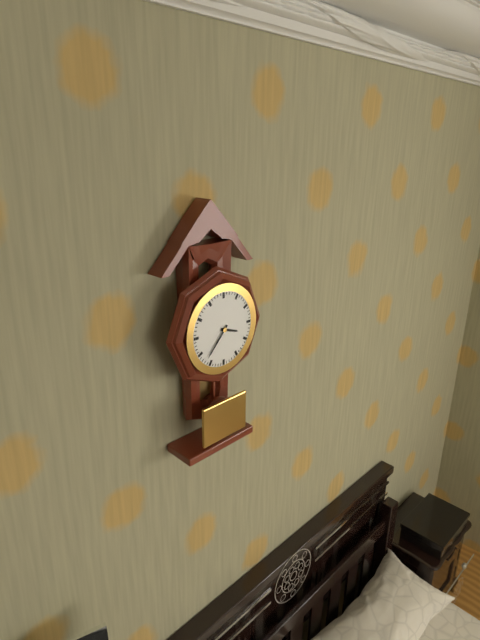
3:37
